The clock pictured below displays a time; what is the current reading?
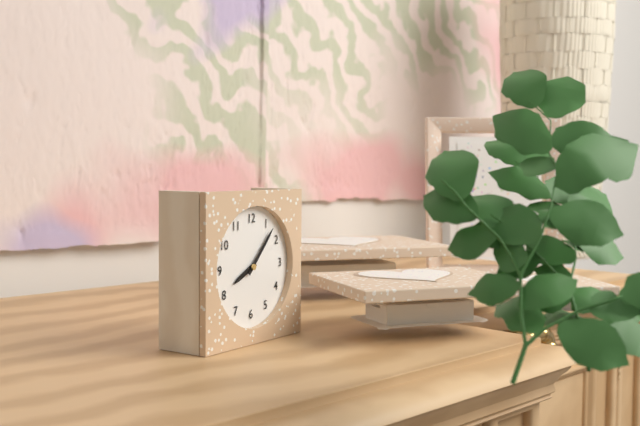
8:07
